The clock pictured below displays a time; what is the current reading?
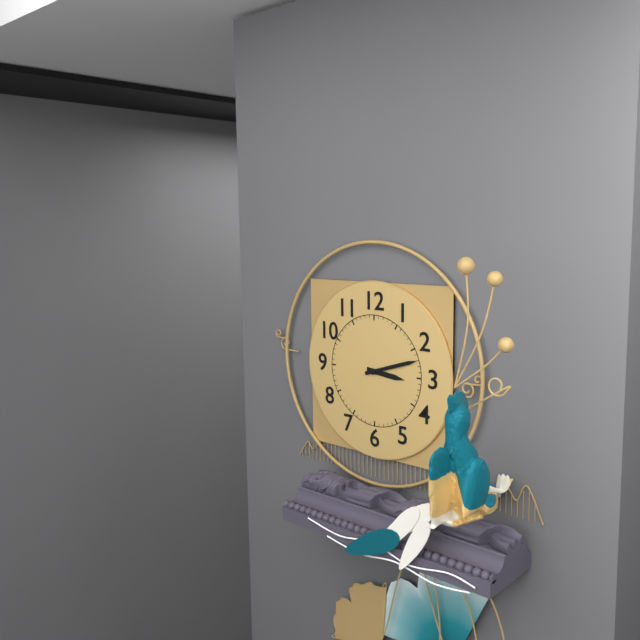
3:12
